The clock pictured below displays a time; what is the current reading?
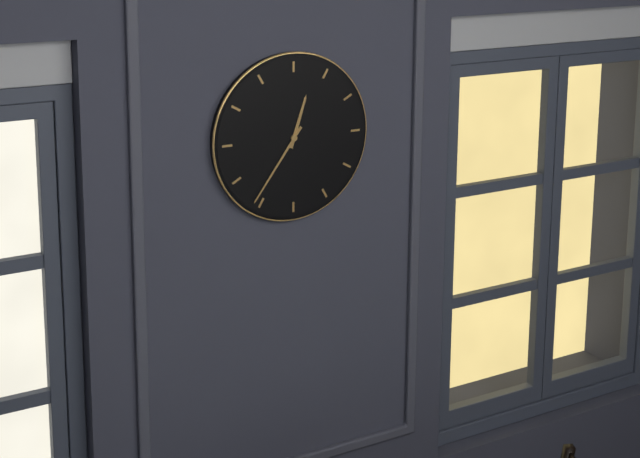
12:36
